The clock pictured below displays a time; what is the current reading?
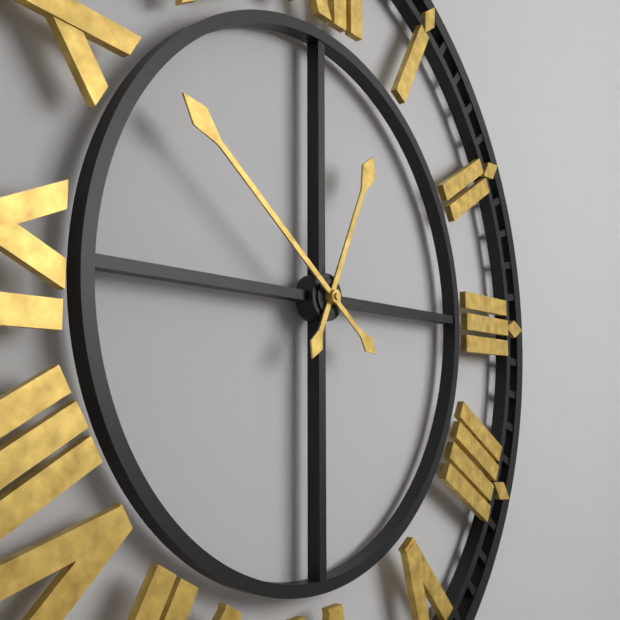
12:51
